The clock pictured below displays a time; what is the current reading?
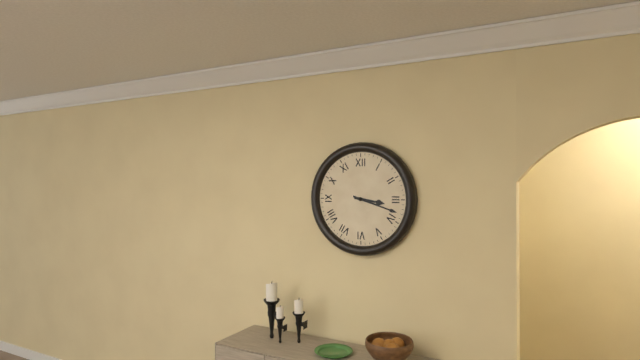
3:18
